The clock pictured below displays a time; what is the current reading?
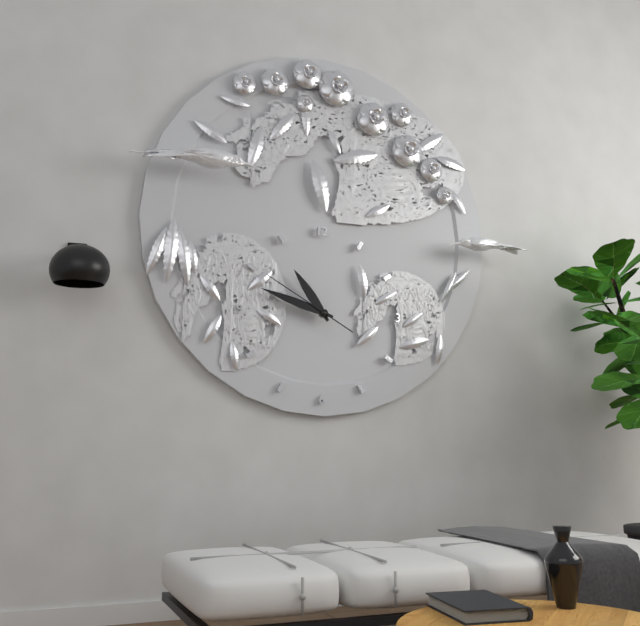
10:48:50
